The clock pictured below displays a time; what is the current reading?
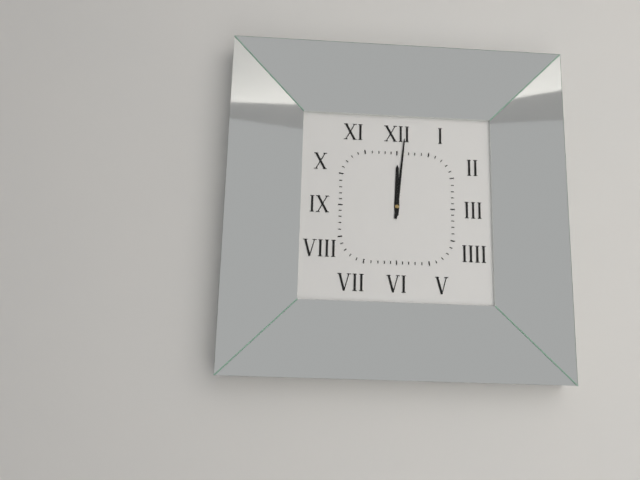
12:01
